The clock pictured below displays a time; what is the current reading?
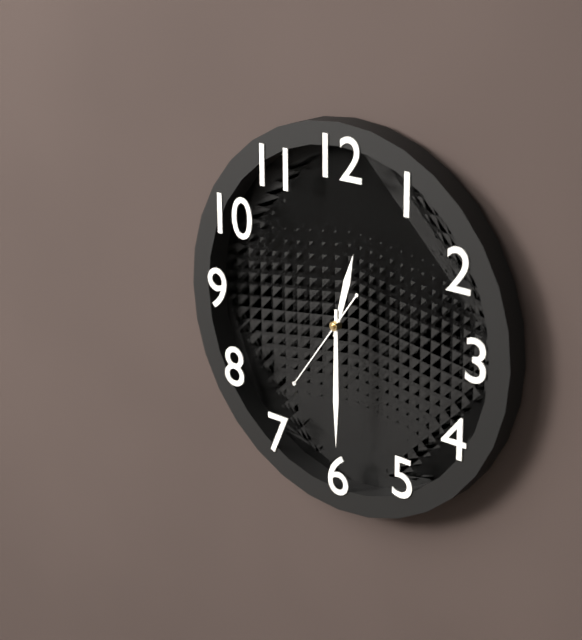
12:30:36
